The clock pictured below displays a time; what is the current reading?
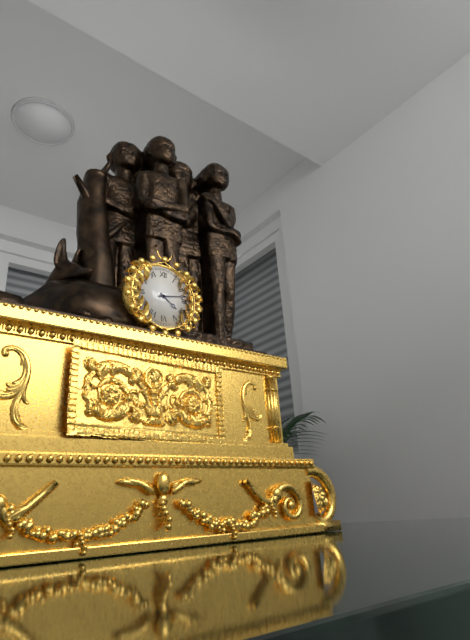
4:13
